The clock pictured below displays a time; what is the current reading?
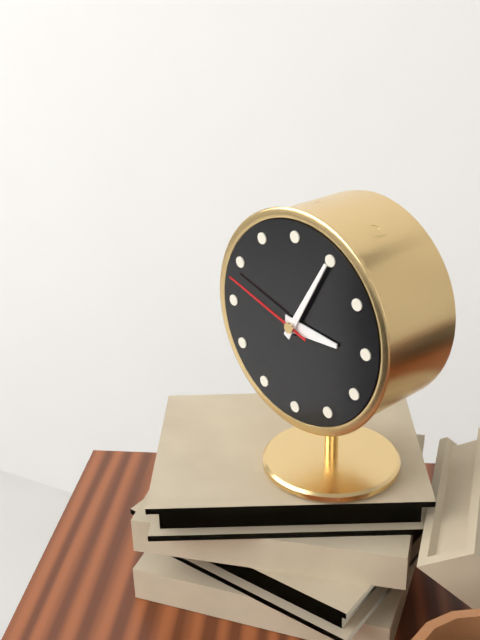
3:05:48
